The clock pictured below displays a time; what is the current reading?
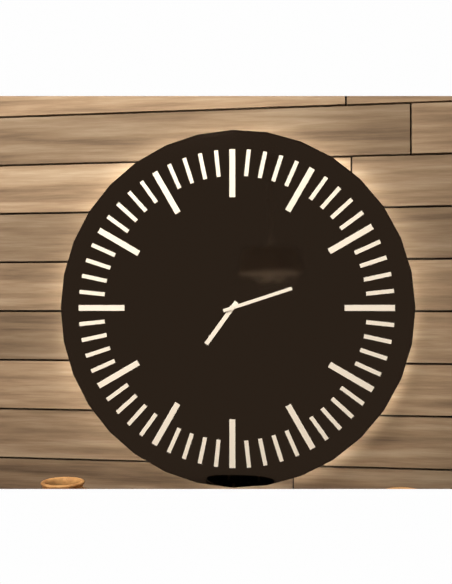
7:12
